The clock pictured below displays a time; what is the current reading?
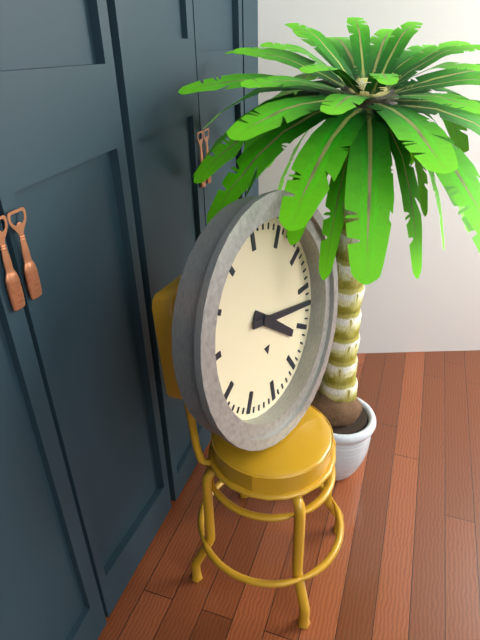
4:17
